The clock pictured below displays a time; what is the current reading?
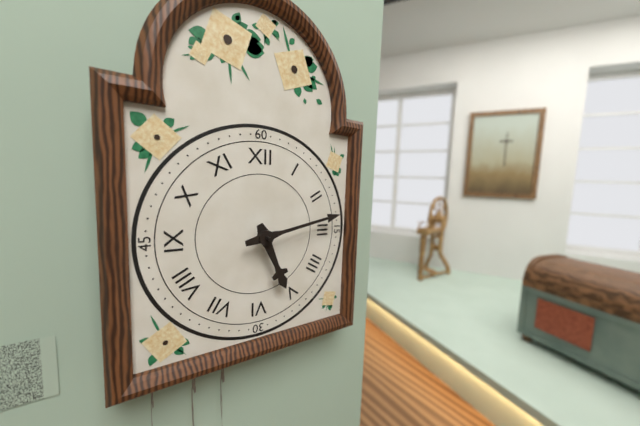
5:13
